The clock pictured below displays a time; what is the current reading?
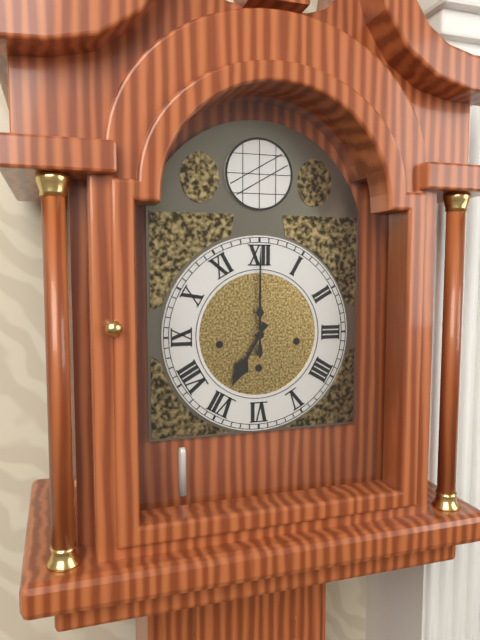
7:00
